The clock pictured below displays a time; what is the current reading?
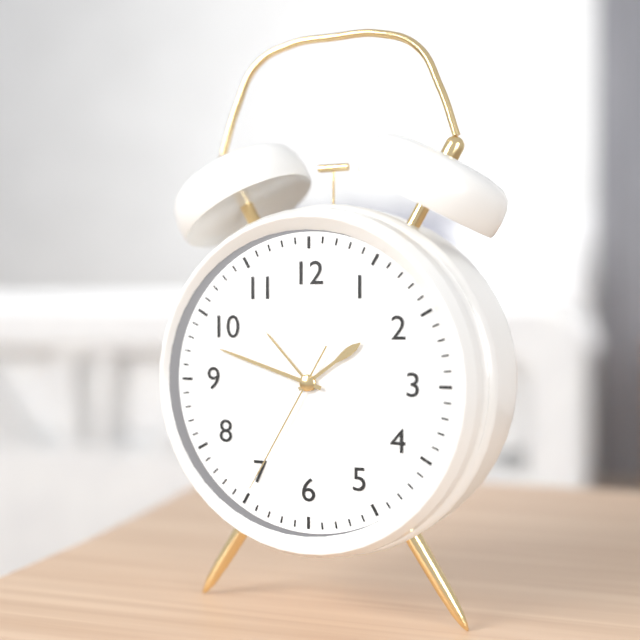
1:48:35
